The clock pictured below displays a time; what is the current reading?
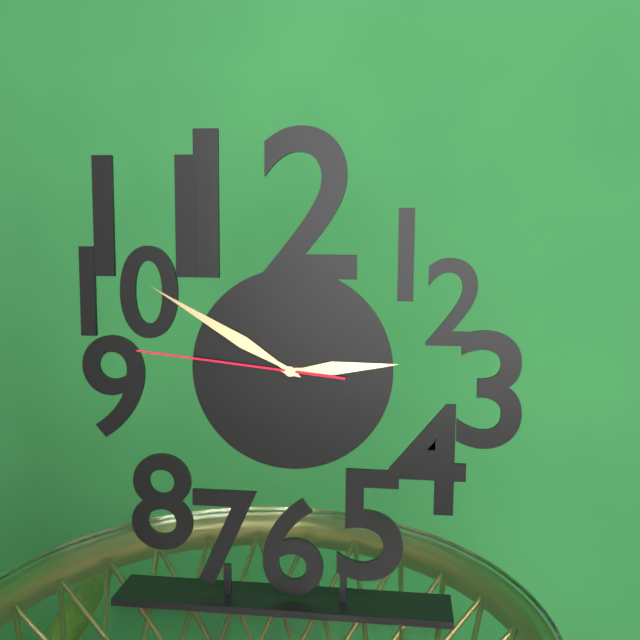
2:50:46
